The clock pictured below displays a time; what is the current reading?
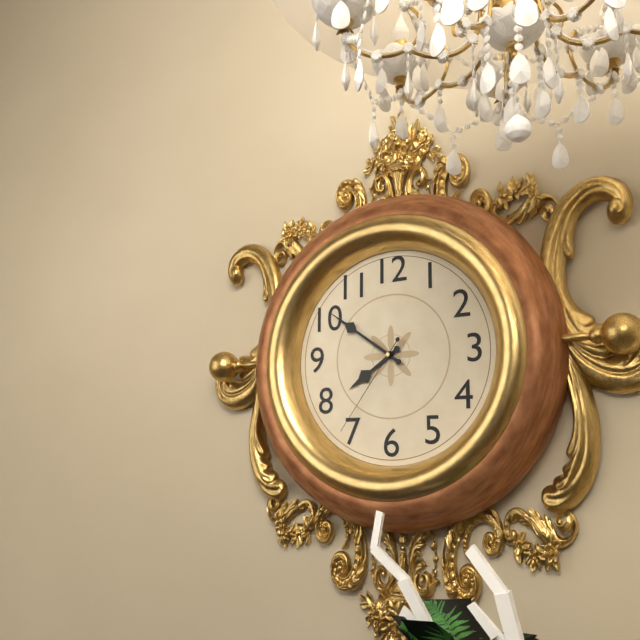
7:51:36
